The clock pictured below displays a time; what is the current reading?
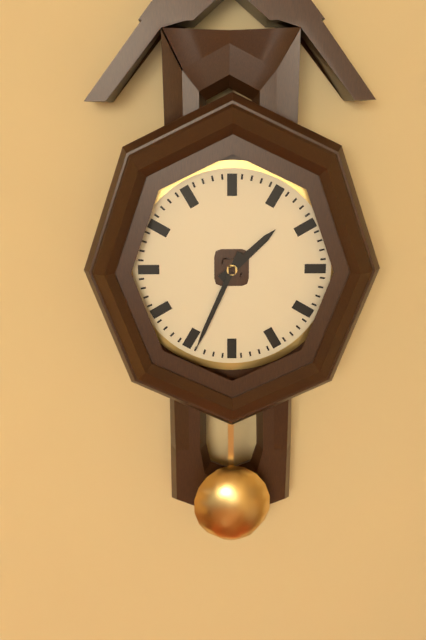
1:34
